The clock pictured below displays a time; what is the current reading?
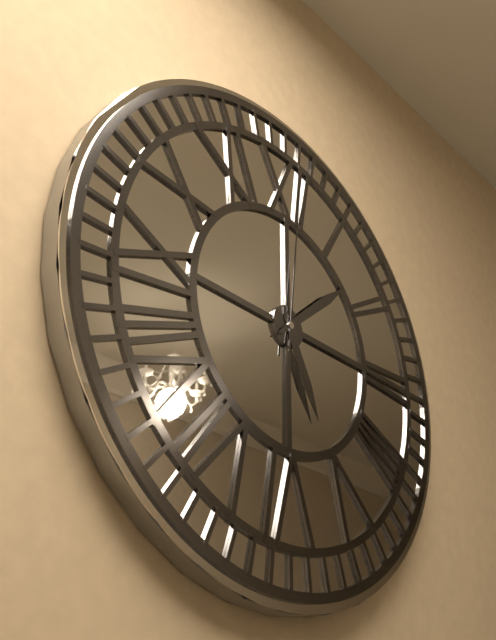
5:08:01
